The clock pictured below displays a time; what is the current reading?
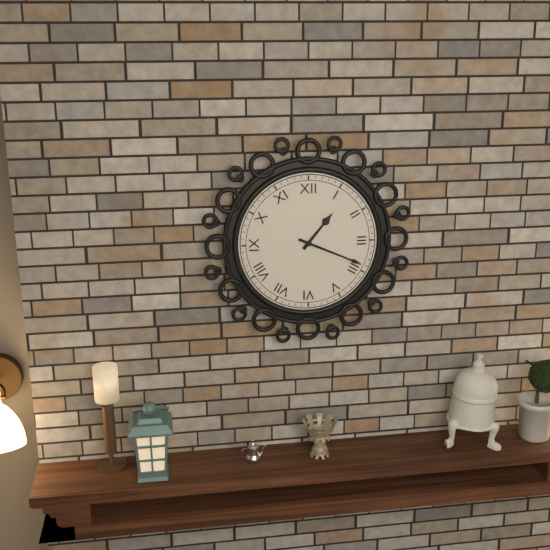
1:19
